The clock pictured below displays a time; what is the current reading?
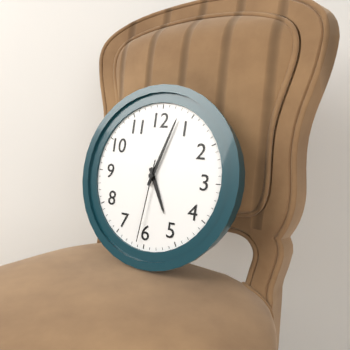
5:03:31
